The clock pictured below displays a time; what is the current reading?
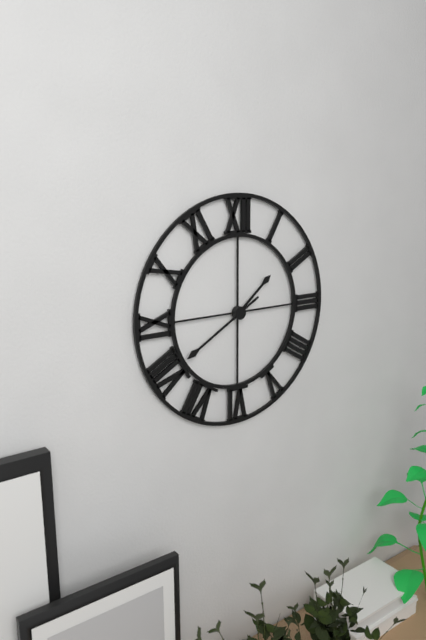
1:40
